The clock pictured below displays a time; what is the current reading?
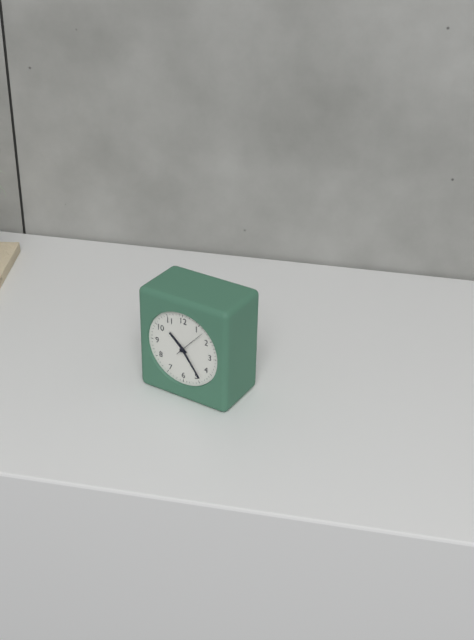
10:24
